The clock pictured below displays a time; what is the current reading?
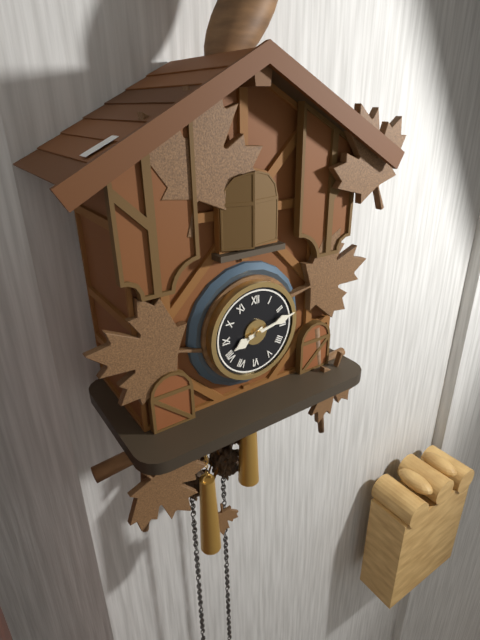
8:13
